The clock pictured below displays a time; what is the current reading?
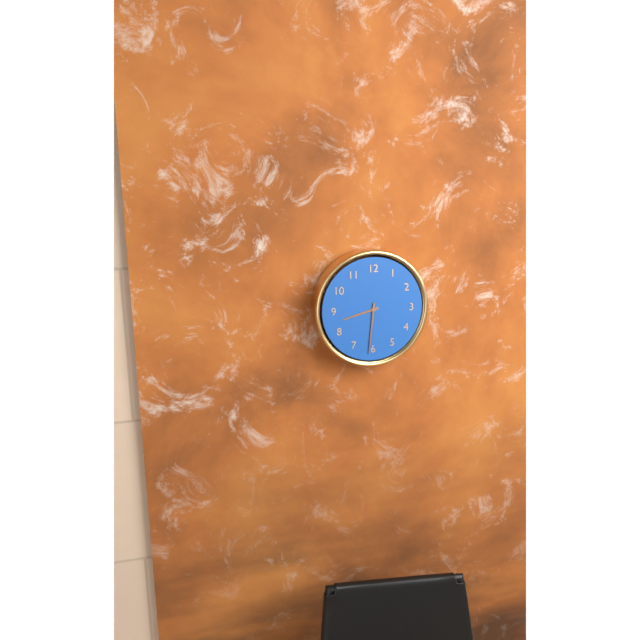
8:31
